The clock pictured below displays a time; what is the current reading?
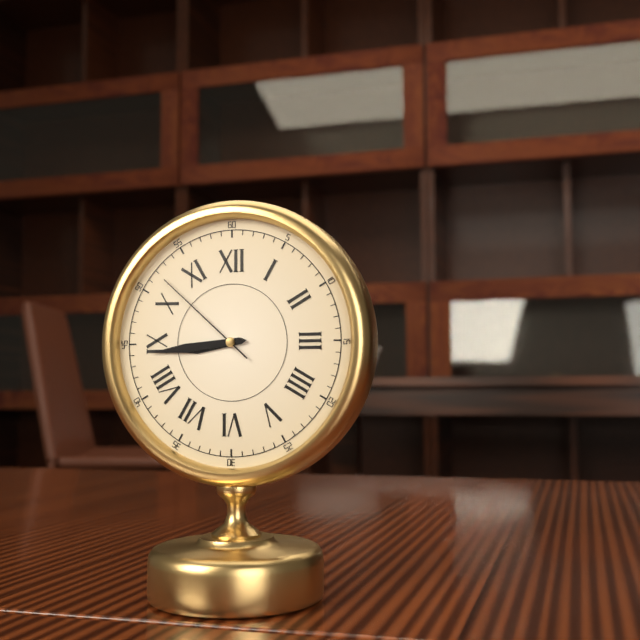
8:44:52
